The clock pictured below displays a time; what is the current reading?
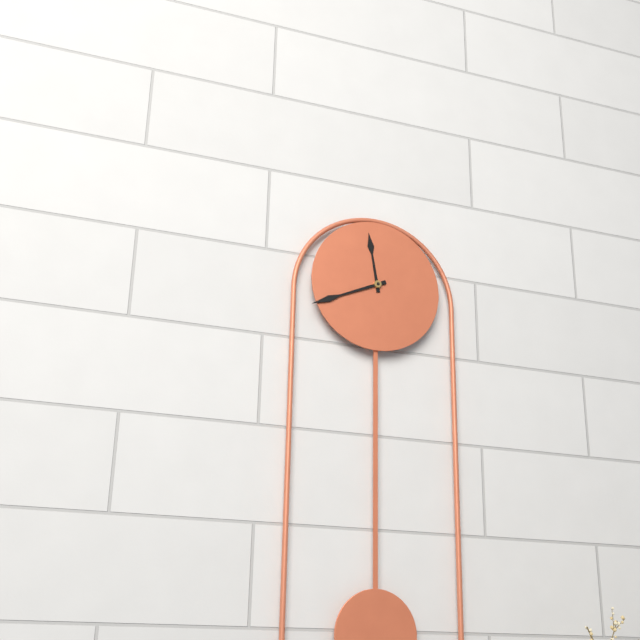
11:41
